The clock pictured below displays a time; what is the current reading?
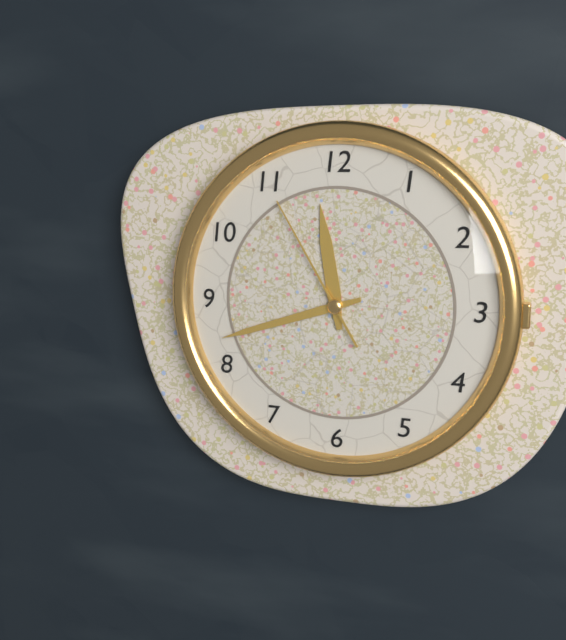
11:42:55
